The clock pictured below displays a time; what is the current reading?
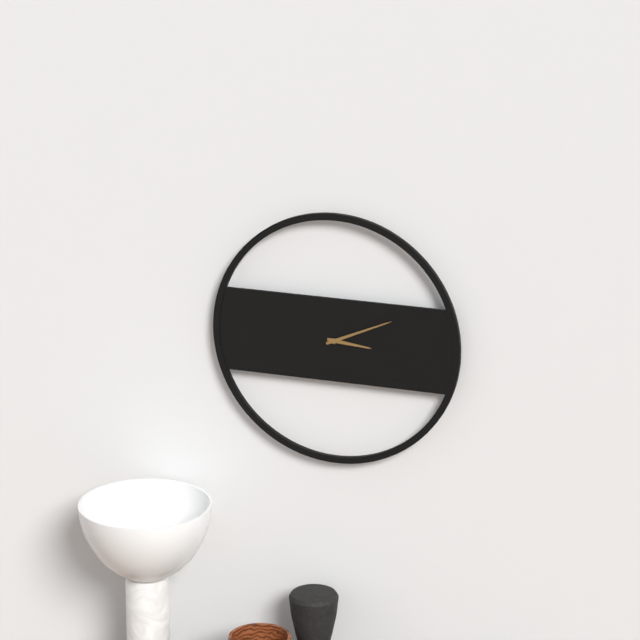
3:11
